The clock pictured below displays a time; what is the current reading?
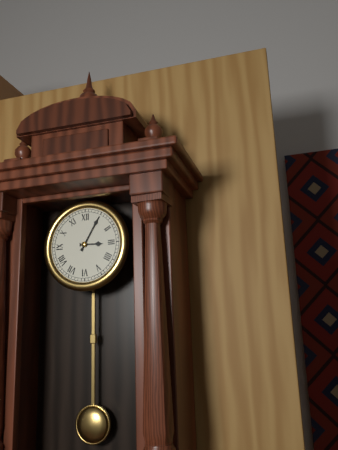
3:05
